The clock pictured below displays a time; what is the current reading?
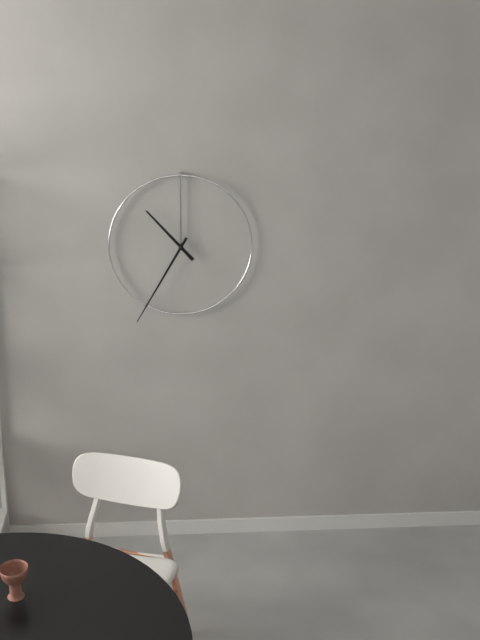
10:35
